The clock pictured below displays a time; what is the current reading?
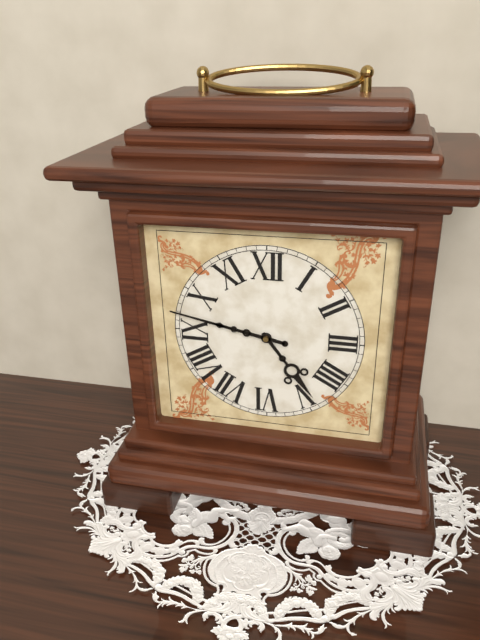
4:47
